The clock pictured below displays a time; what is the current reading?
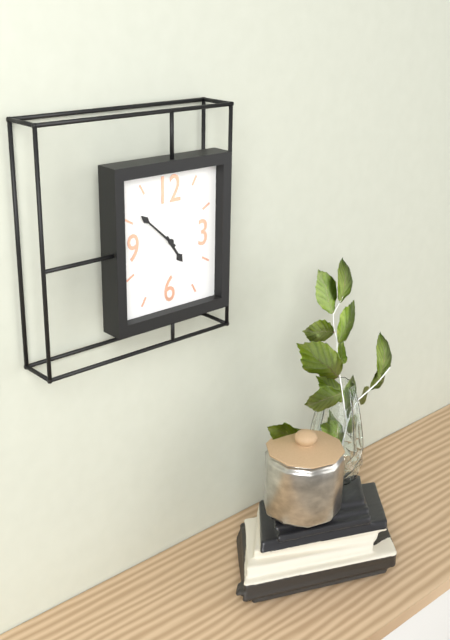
4:52
